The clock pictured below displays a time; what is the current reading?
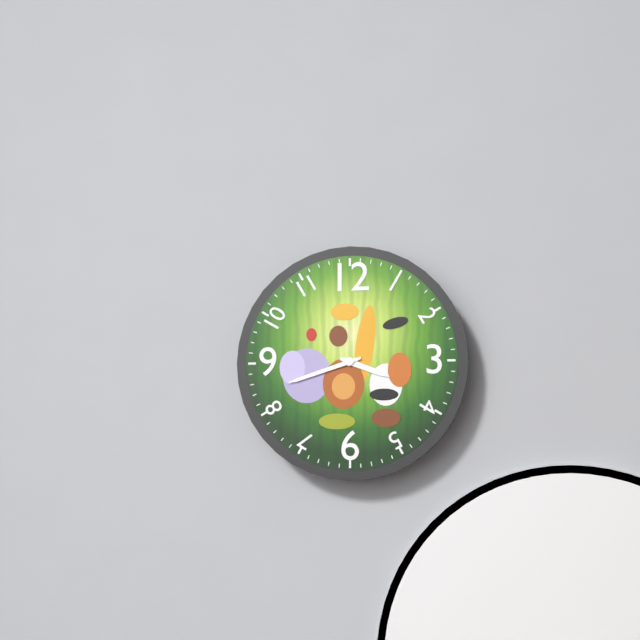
3:42
